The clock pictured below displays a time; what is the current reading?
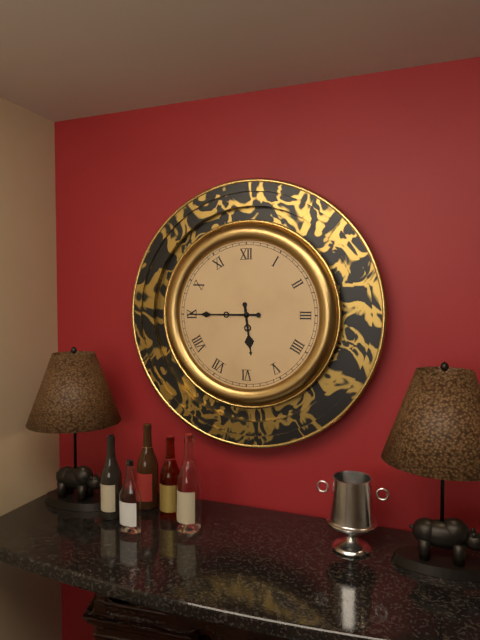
5:45
